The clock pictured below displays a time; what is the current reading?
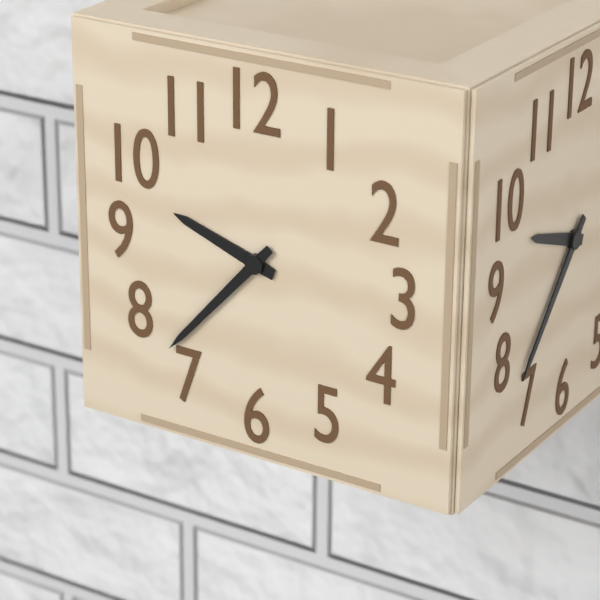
9:37
